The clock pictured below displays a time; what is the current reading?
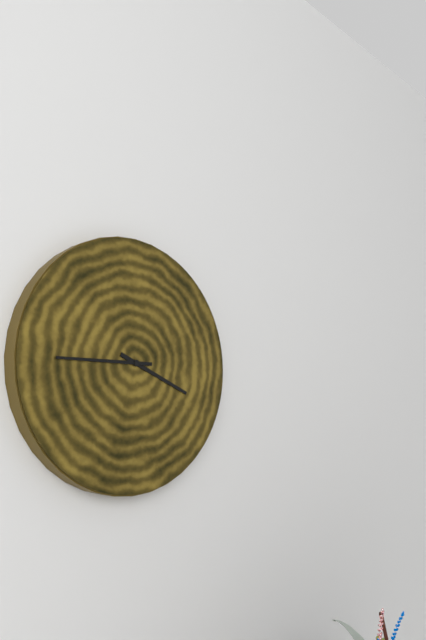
3:45
